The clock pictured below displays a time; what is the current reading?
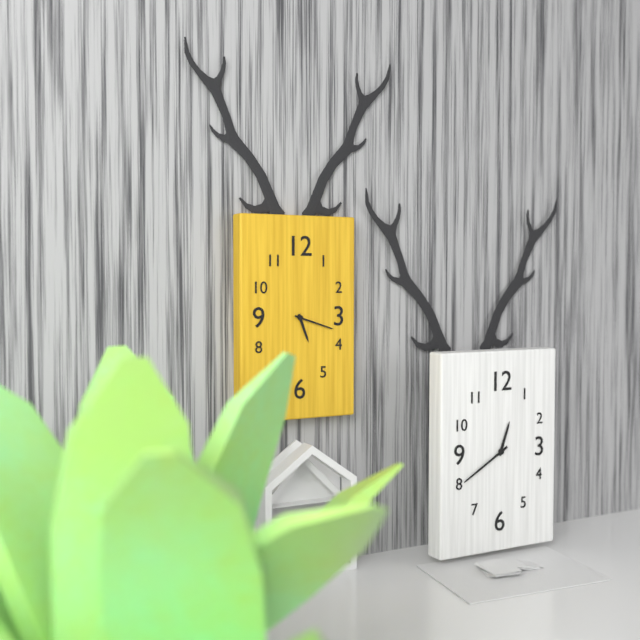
5:18
